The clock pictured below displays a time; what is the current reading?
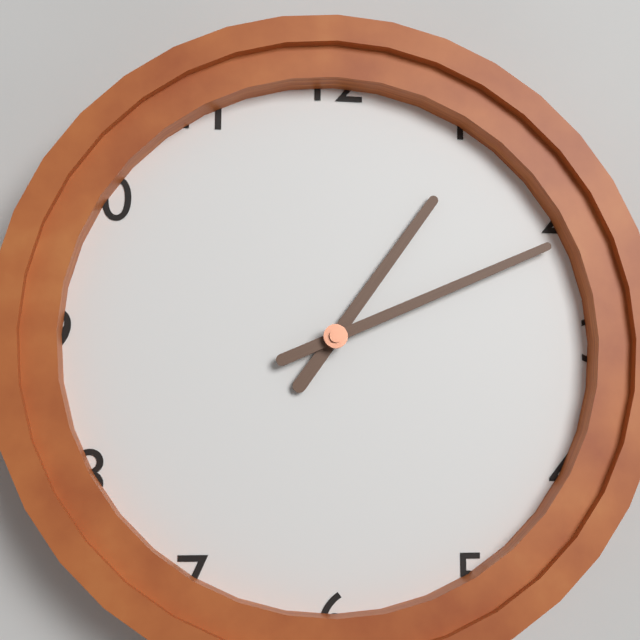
1:11
